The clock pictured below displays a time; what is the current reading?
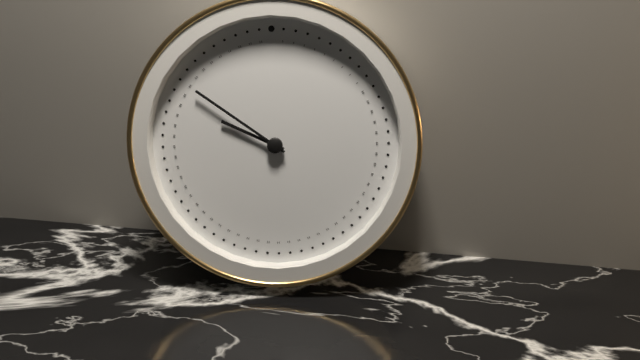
9:51
